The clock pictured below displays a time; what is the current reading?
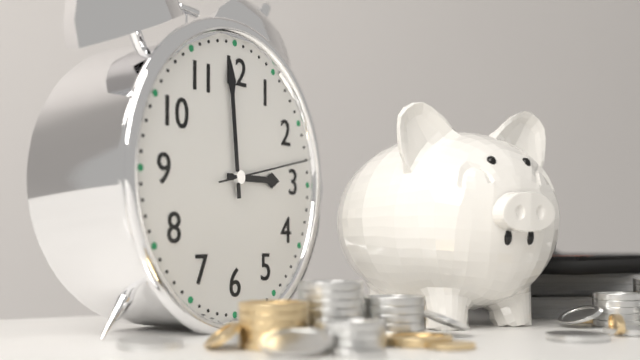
2:59:13
